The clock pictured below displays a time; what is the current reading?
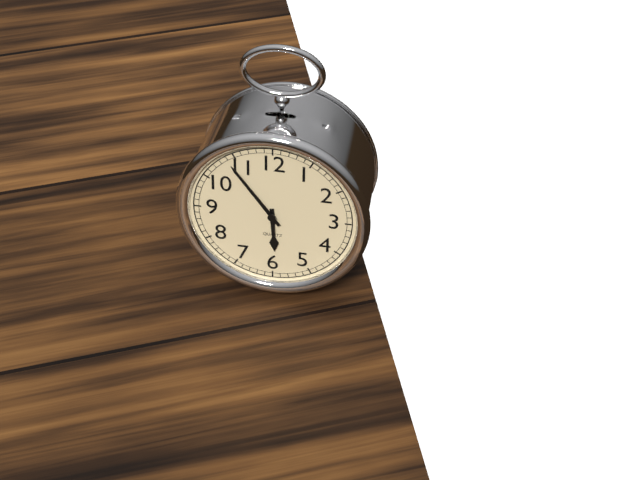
5:54
